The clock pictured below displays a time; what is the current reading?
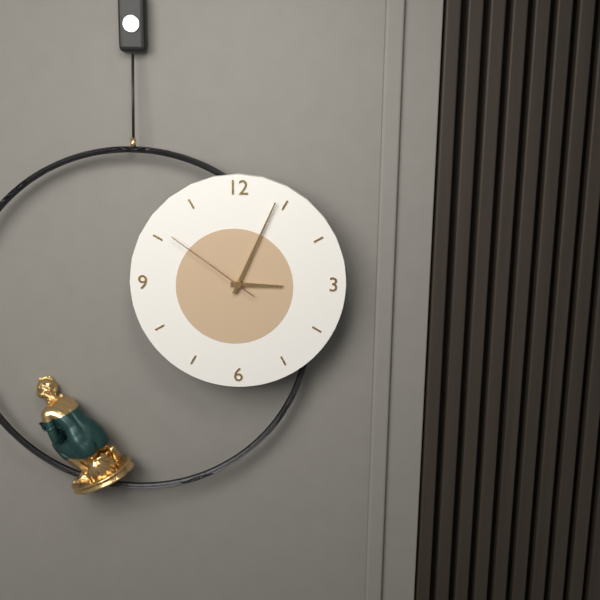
3:04:51
